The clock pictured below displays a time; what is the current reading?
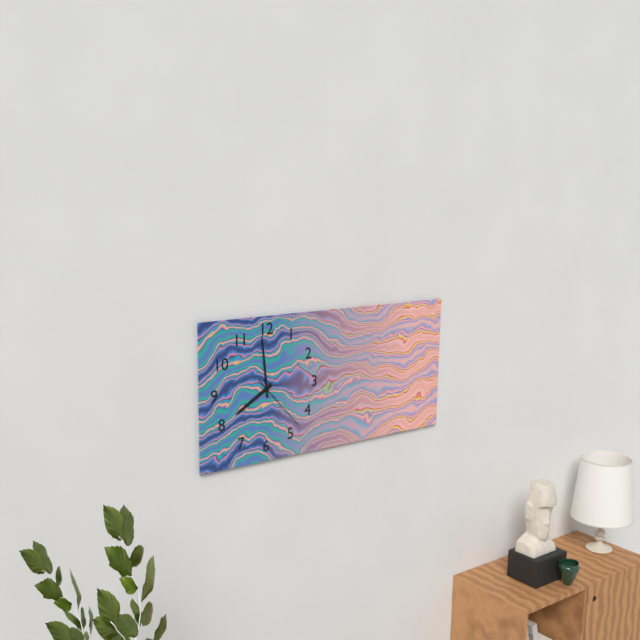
7:59:23
